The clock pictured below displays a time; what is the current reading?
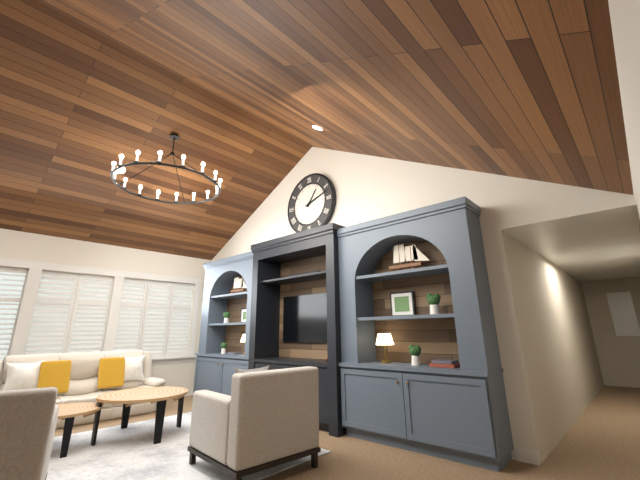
1:12
